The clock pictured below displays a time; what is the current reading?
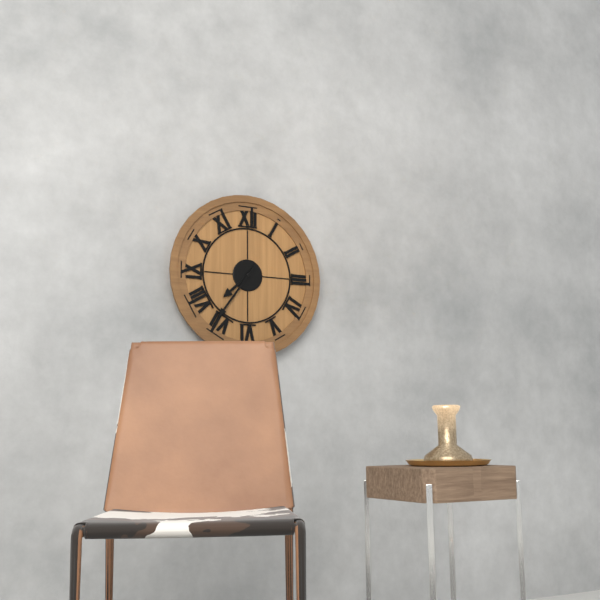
7:36
